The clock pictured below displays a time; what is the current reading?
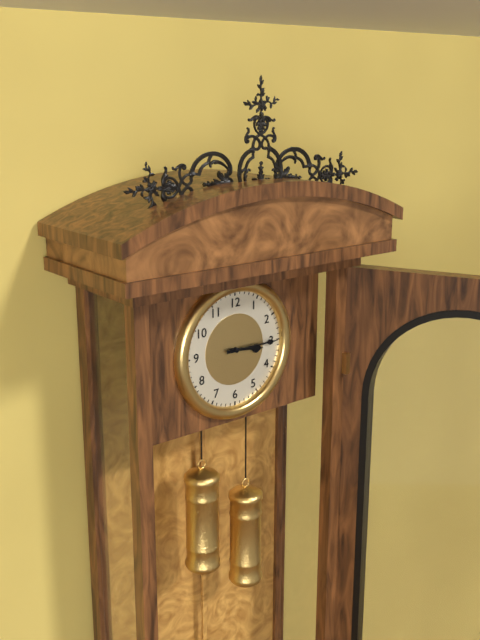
3:15
